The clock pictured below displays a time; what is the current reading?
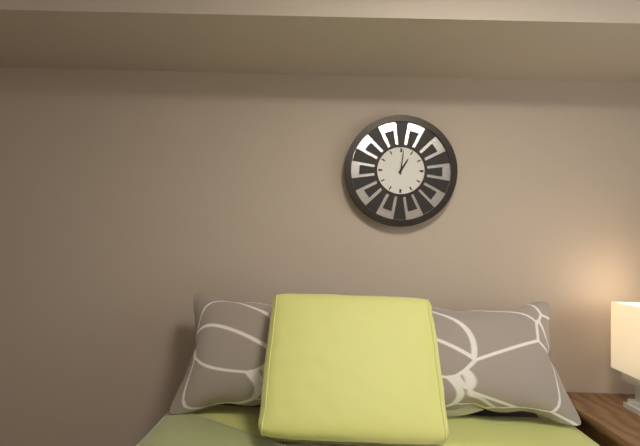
1:01
